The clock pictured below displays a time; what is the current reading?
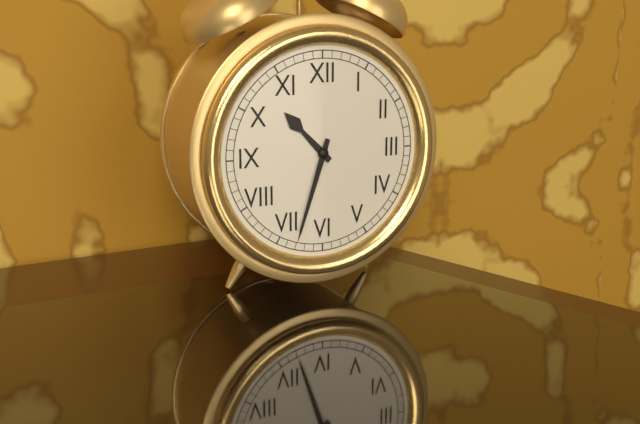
10:33
